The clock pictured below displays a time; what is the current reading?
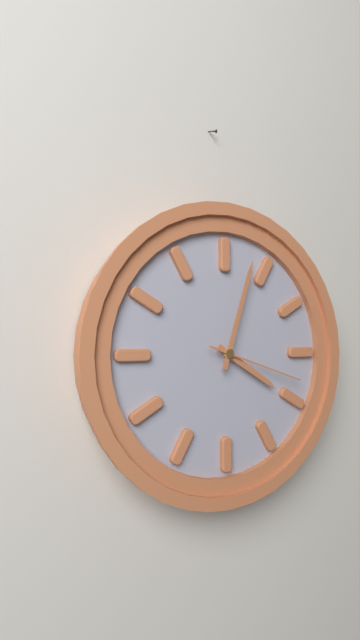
4:03:18
